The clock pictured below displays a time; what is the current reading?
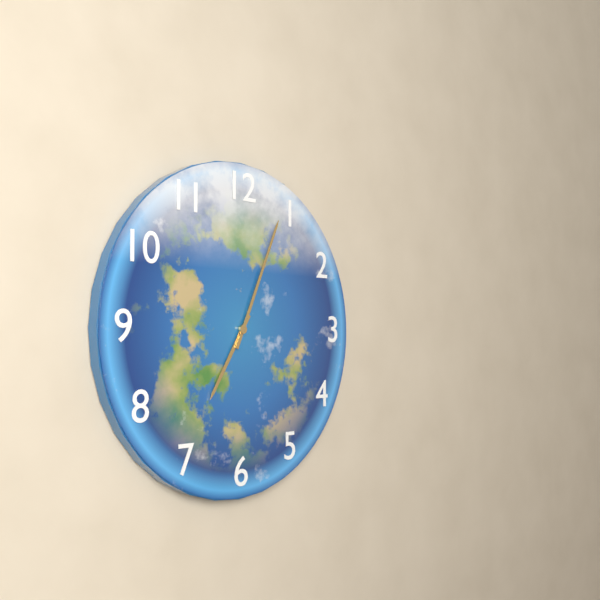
7:04
